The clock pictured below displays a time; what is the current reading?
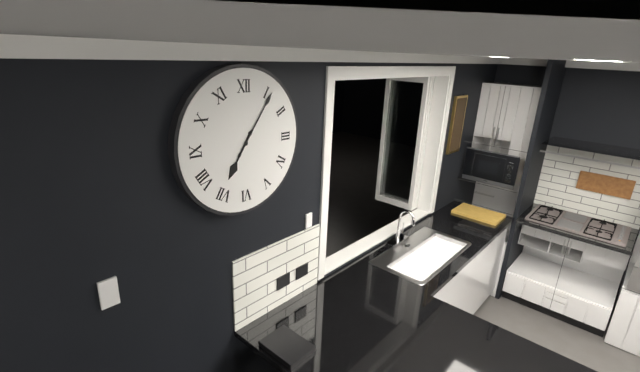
7:06
